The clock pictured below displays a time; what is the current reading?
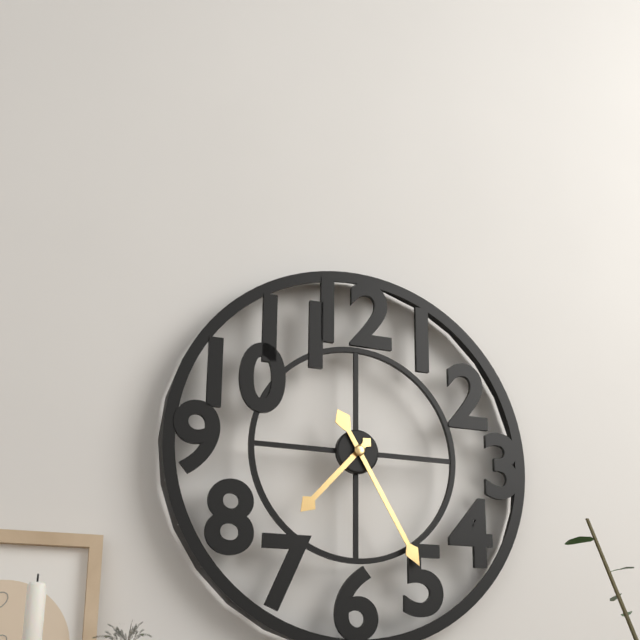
7:25
